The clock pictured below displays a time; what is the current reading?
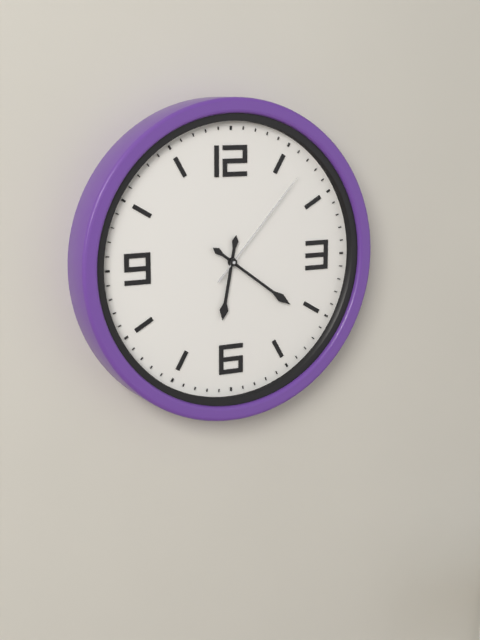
6:21:07
